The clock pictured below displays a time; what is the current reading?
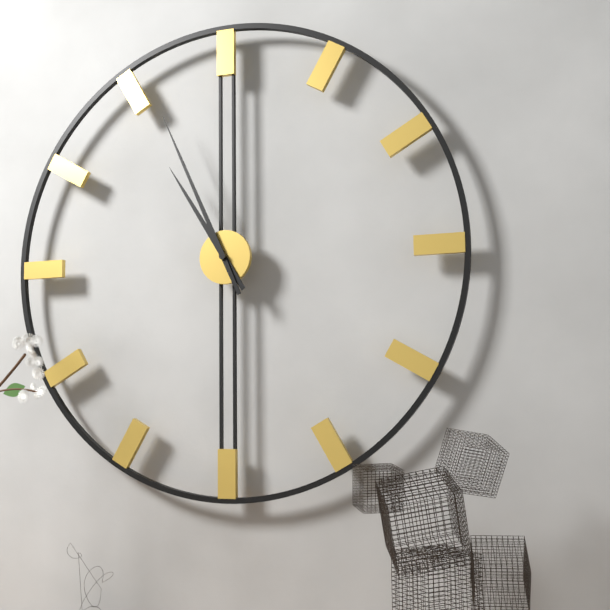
10:56
